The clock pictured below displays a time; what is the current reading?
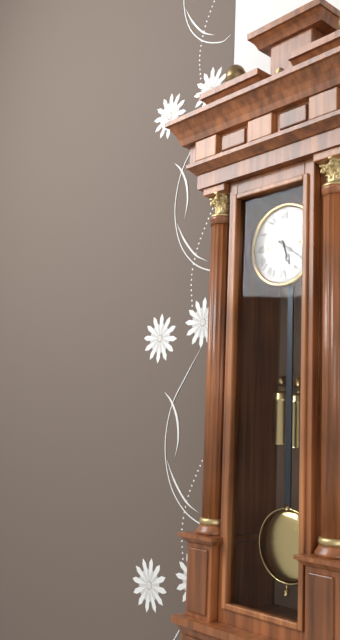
5:21
